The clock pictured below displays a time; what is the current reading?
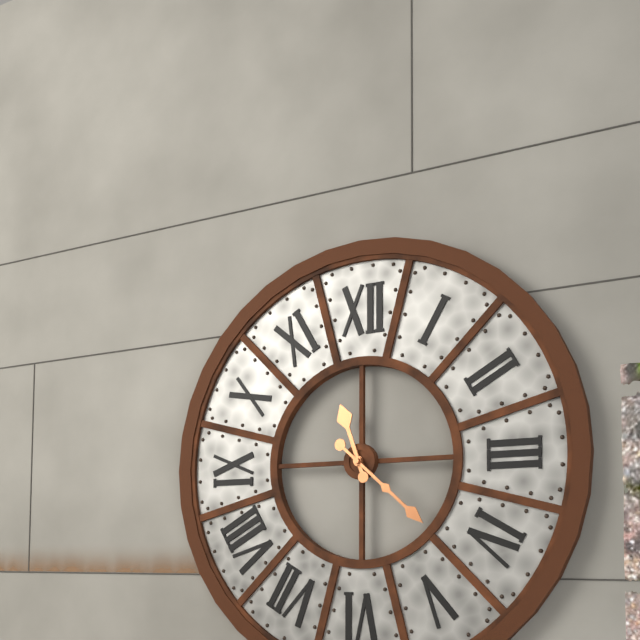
11:22
